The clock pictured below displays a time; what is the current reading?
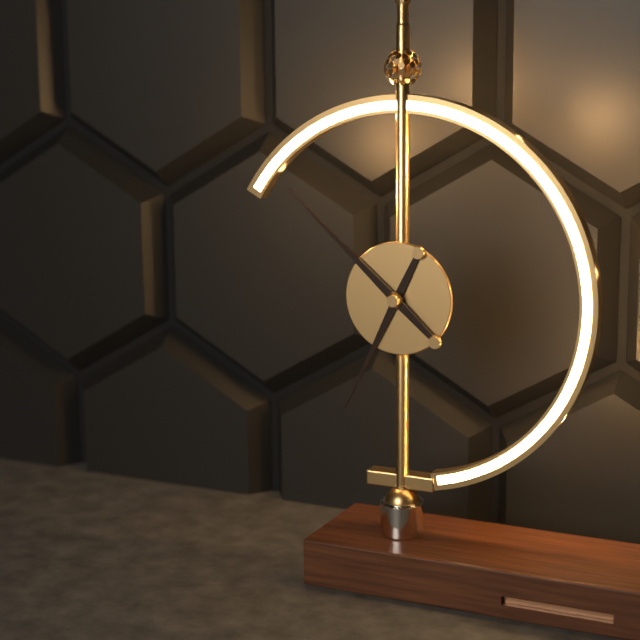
6:52
